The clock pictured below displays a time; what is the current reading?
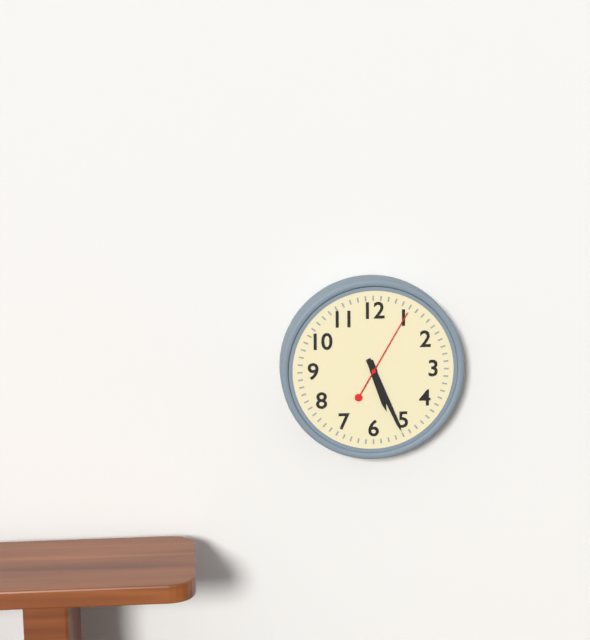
5:26:05
